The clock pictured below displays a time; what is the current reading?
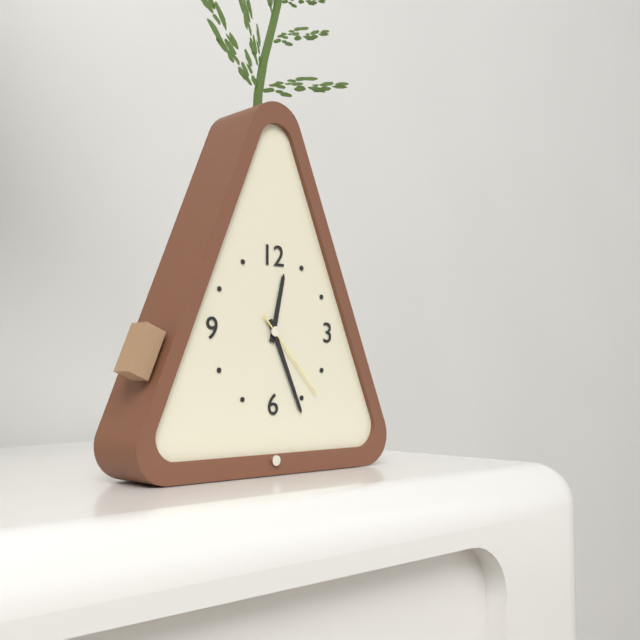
12:26:23
